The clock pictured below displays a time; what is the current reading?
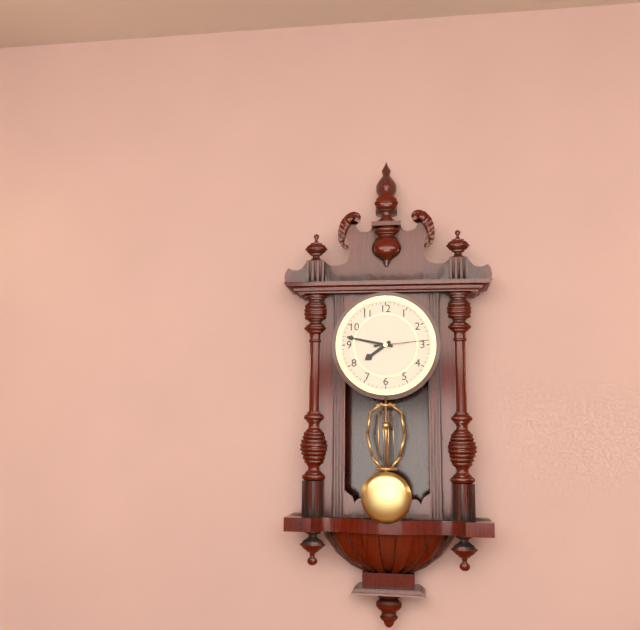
7:47:14
